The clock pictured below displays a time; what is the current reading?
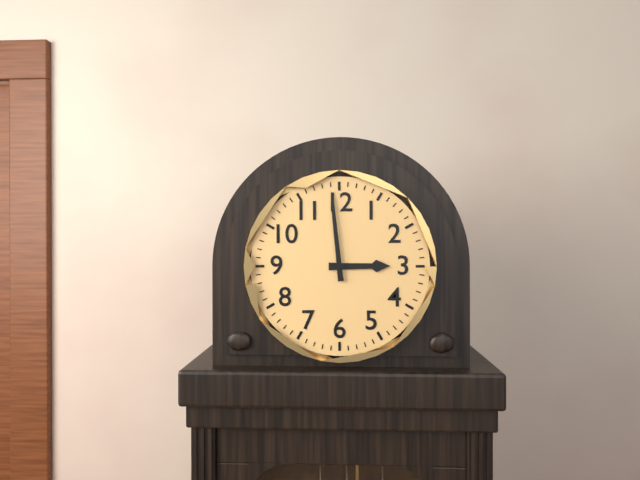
2:59
